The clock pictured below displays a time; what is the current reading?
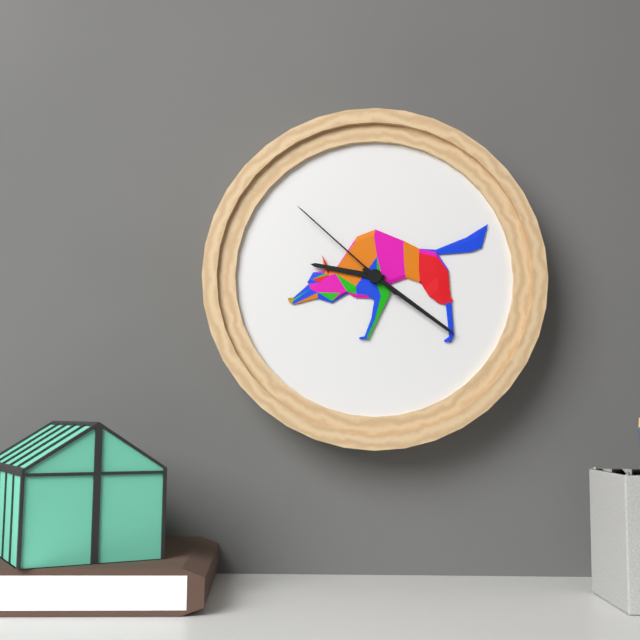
9:21:52
